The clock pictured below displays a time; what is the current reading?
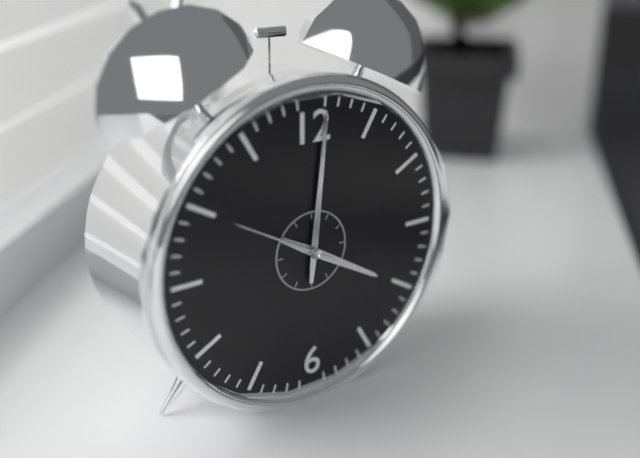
4:01:50
